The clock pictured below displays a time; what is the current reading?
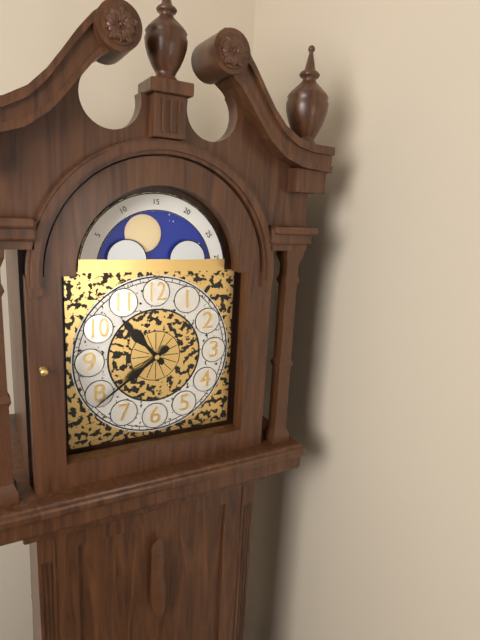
10:39
